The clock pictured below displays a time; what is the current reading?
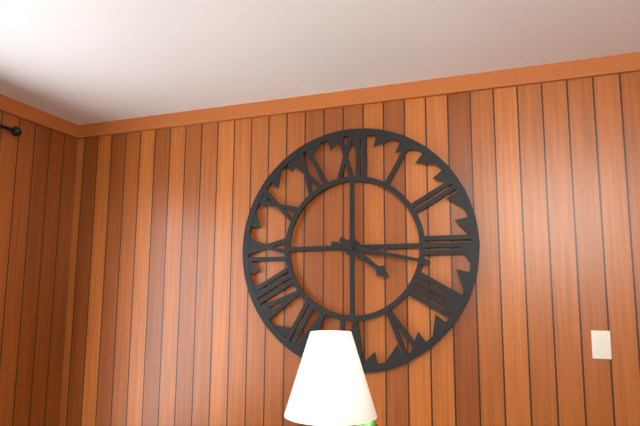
4:17
